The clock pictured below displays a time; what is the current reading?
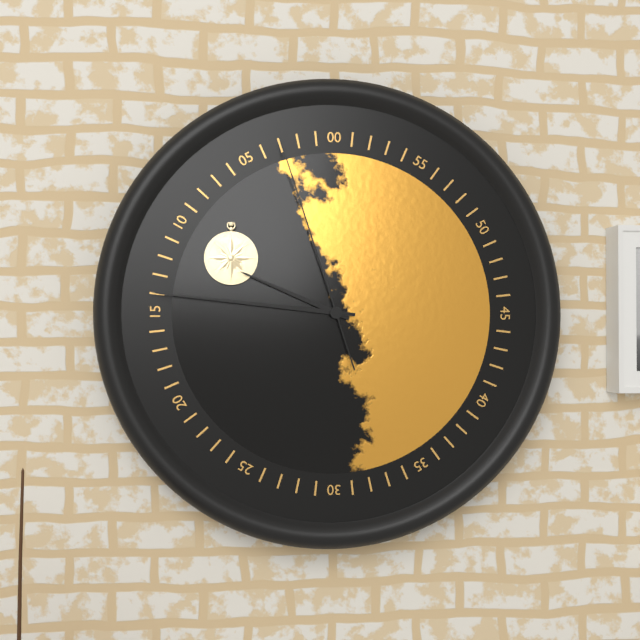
9:46:57
